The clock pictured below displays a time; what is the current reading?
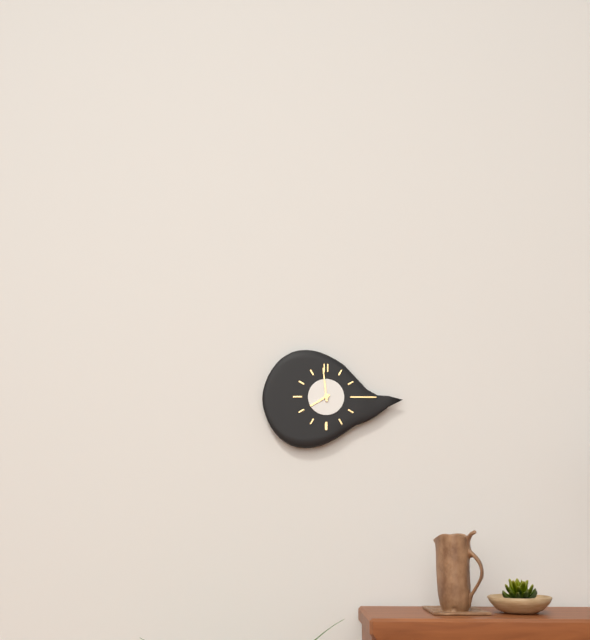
7:59
